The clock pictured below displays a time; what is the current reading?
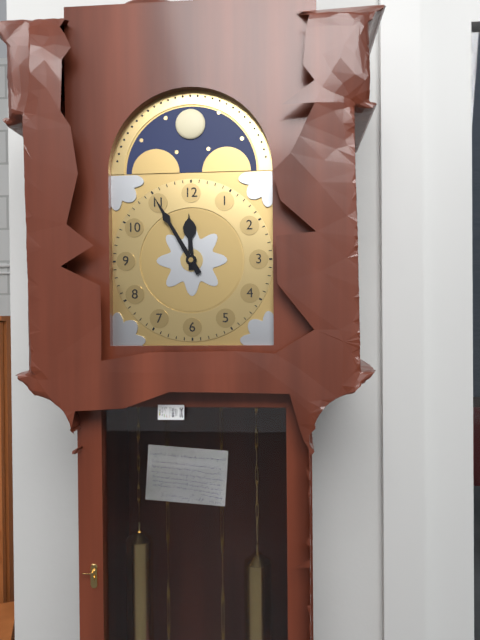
11:55
